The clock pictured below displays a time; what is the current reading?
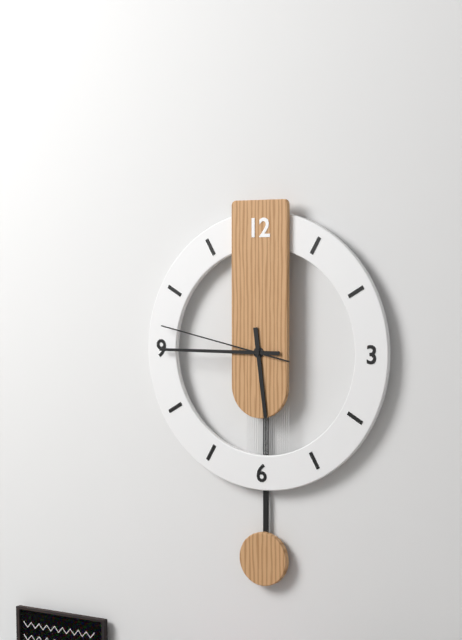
5:45:47
